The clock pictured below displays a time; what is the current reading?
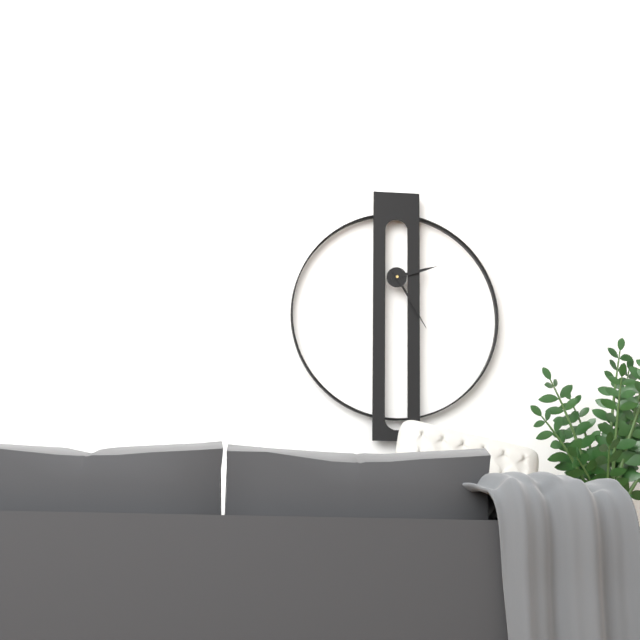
2:25
